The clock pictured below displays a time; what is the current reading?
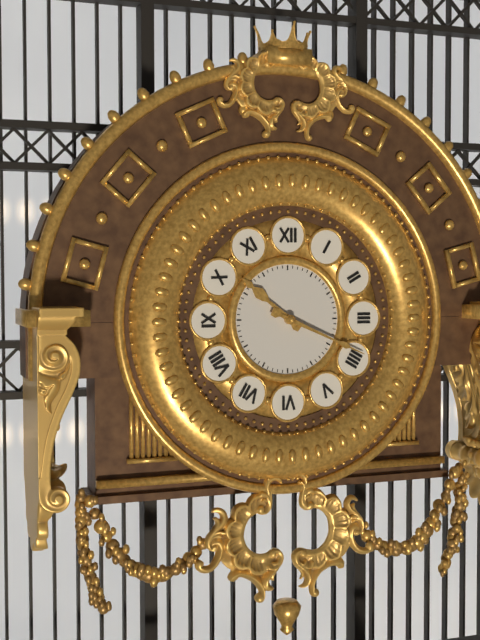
10:19
